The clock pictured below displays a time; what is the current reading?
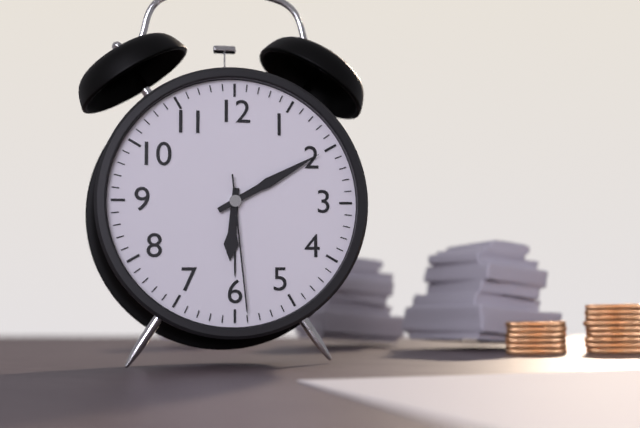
6:10:29
